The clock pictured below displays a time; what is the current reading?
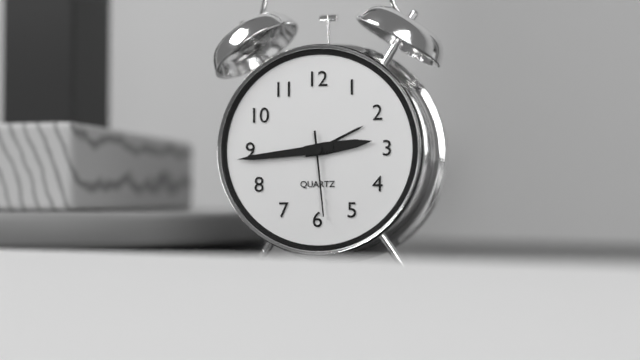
2:44:29
